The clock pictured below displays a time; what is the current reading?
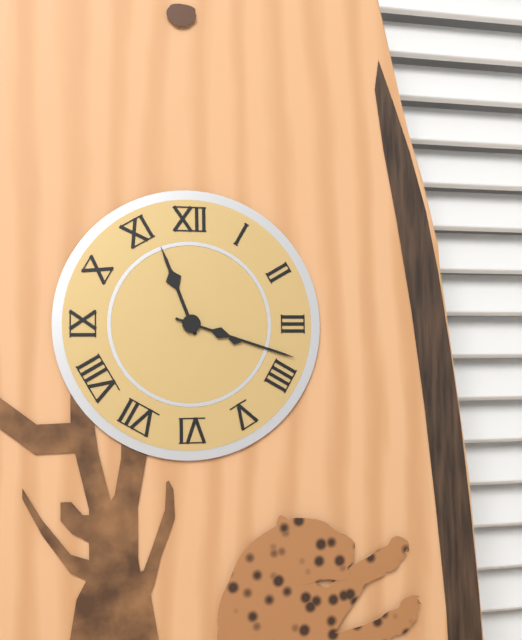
11:18
